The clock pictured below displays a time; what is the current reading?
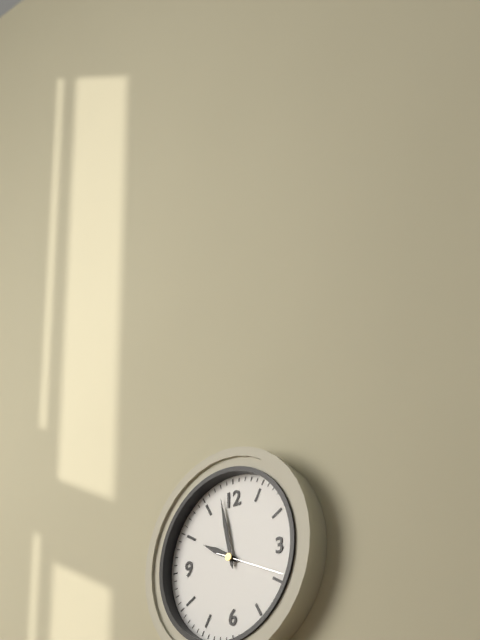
9:58:19
